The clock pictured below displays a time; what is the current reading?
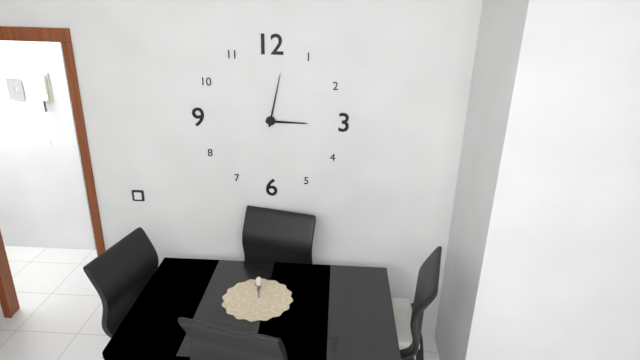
3:02
